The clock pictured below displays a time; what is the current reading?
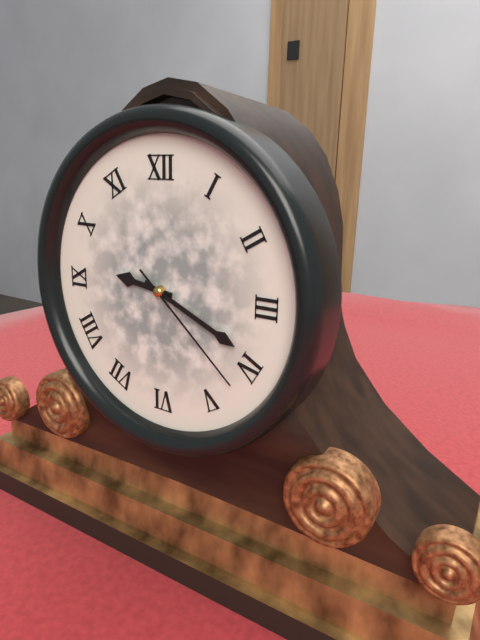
9:19:22
